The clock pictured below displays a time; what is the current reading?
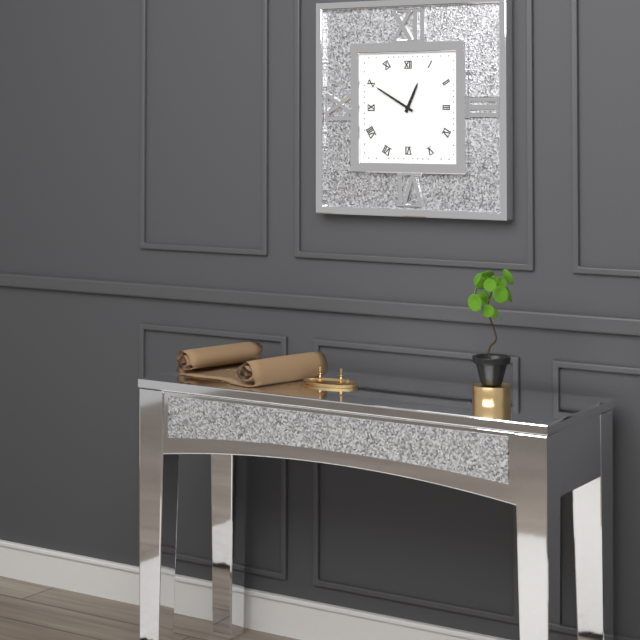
12:50
